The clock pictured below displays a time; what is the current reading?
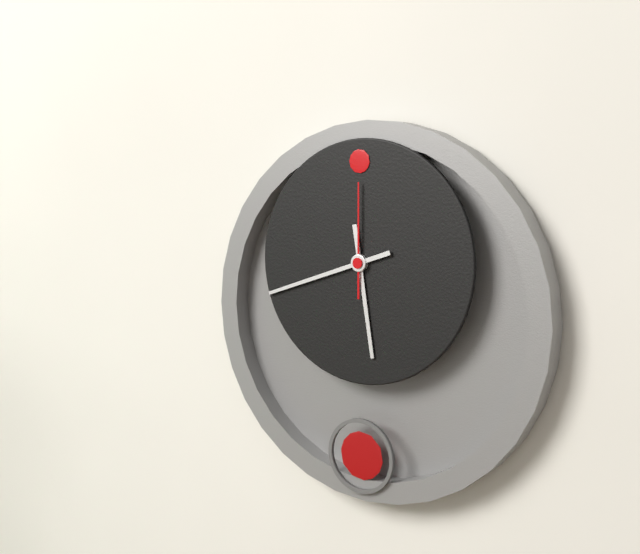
5:42:00
